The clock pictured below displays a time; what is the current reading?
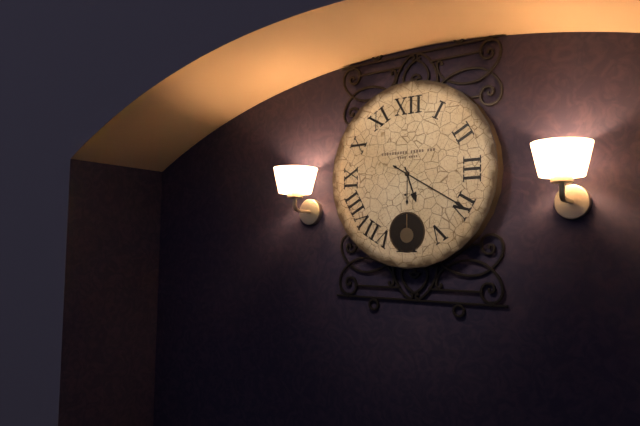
5:20
